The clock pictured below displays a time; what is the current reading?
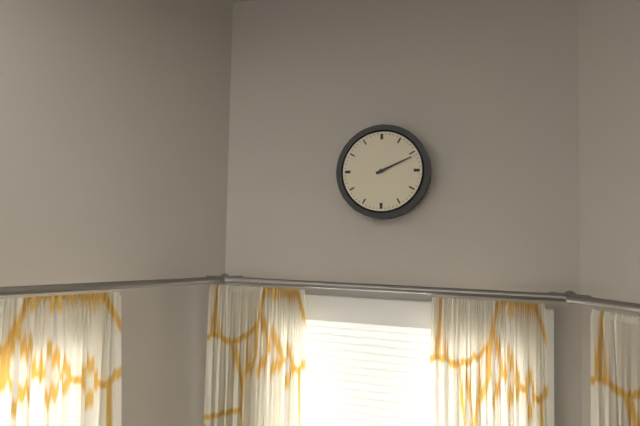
2:11
